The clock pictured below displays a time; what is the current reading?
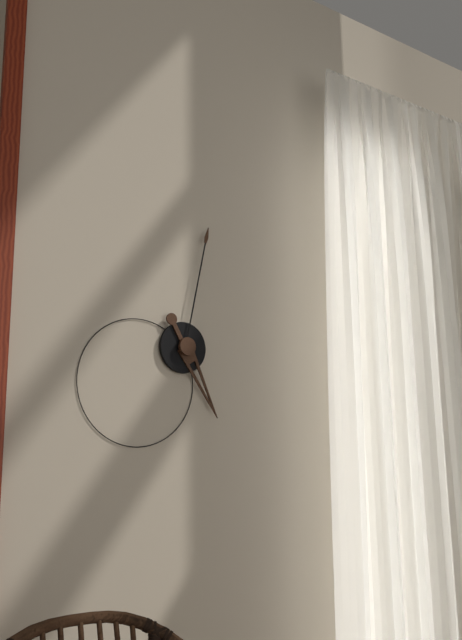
5:02
